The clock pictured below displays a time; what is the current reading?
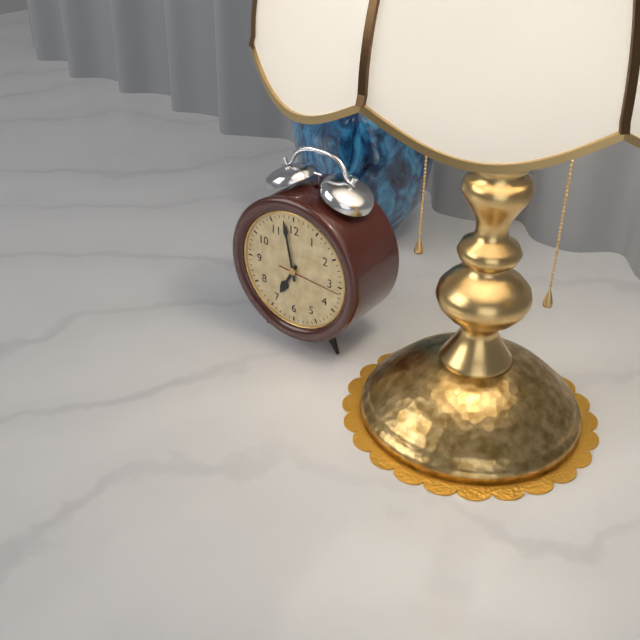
6:58:16
